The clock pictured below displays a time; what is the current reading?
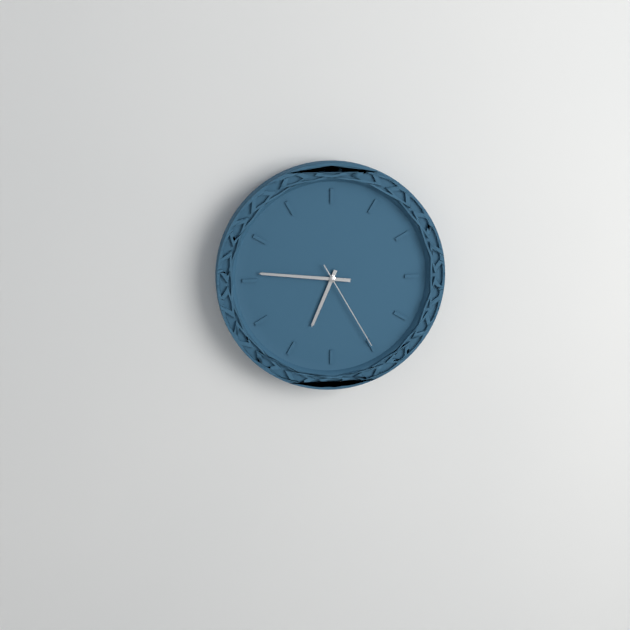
6:46:25
